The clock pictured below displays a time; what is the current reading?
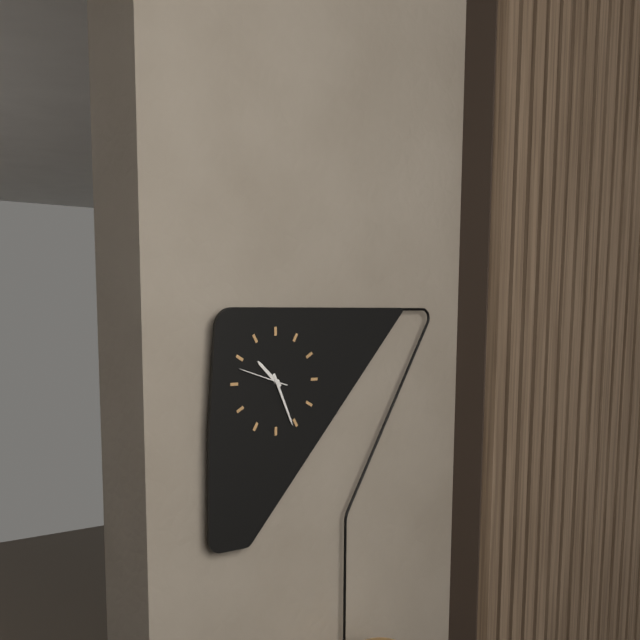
10:26
